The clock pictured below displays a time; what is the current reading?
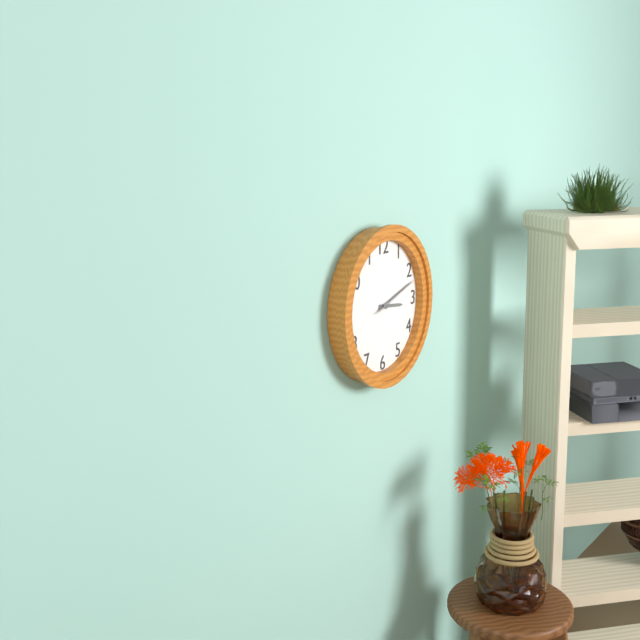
3:12:12
